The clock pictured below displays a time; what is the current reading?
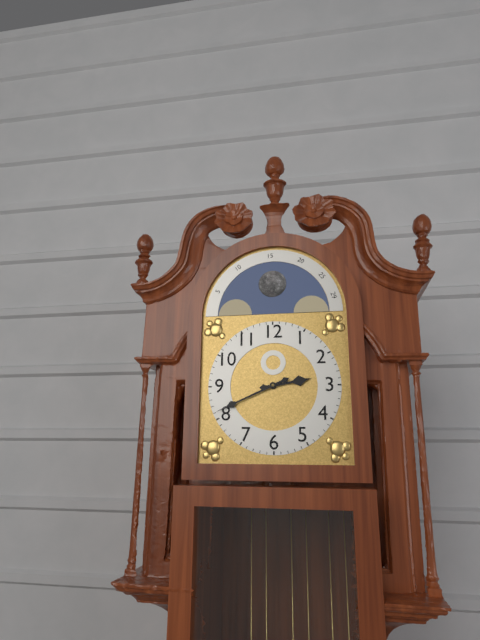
2:41
